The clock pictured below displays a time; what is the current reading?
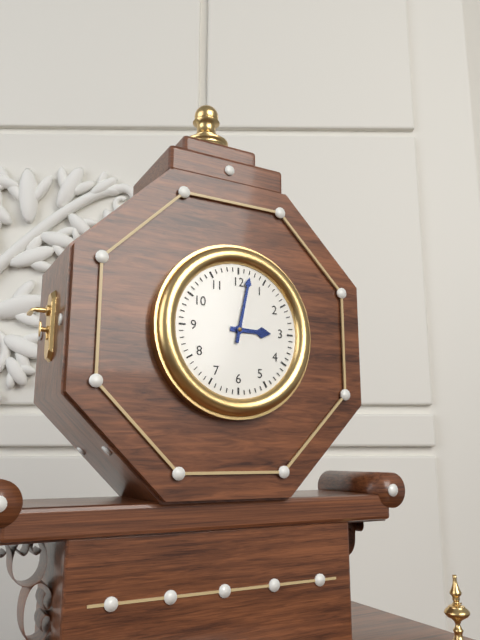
3:02
